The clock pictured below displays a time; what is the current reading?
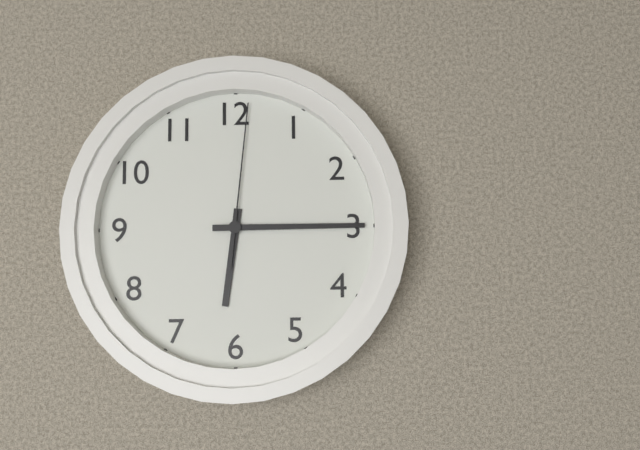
6:15:01
